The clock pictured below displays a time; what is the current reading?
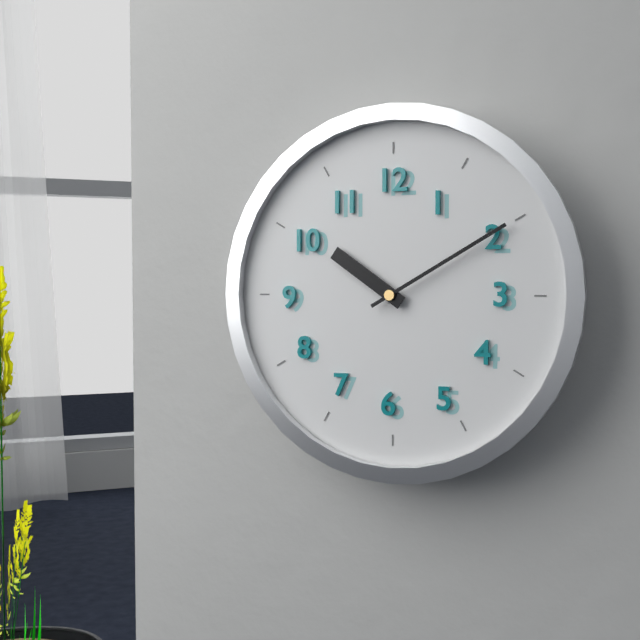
10:10
